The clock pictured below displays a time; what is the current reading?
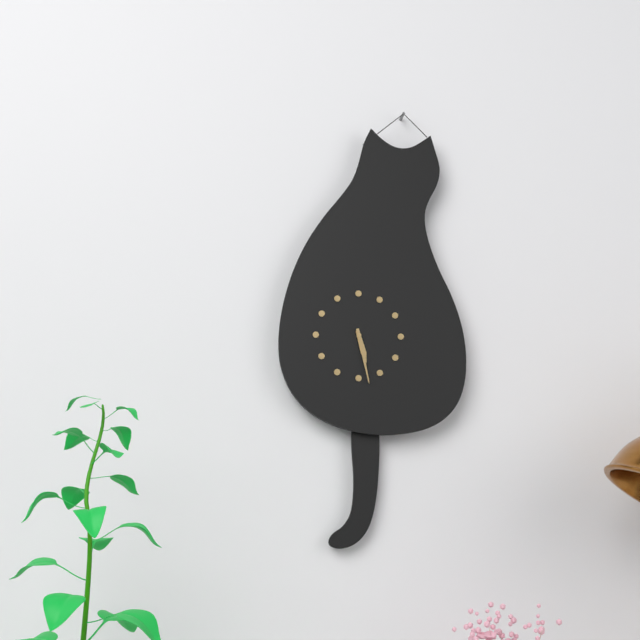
5:28
